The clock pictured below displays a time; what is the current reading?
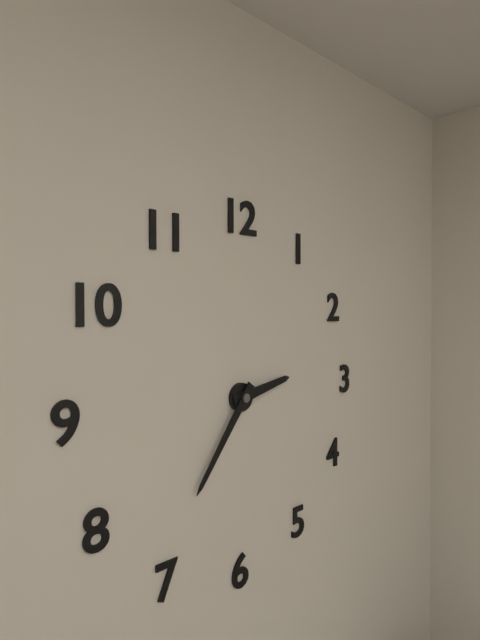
2:36
